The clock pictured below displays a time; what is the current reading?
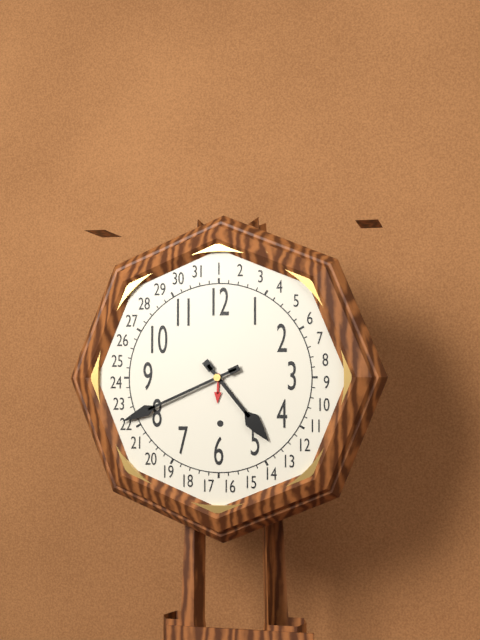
4:41
